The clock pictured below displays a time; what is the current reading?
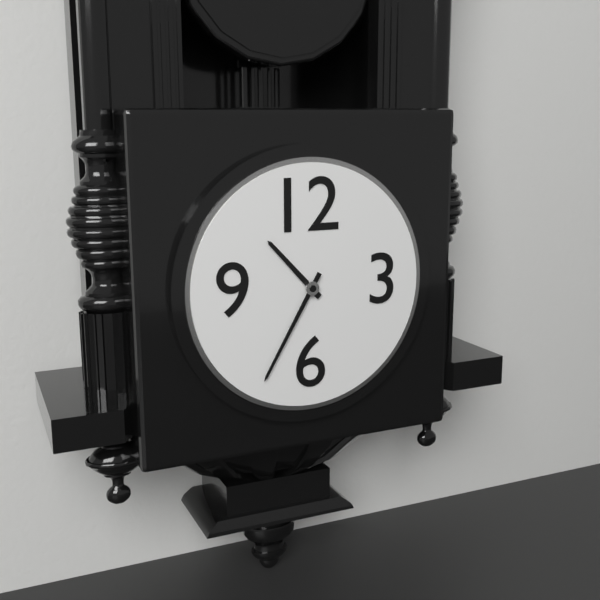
10:35
